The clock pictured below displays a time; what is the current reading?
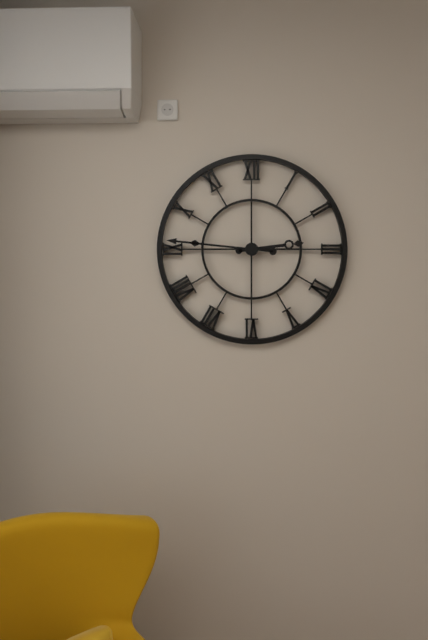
2:46
